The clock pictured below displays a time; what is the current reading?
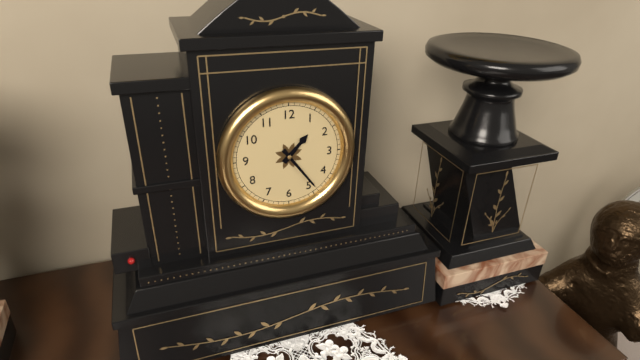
1:24
